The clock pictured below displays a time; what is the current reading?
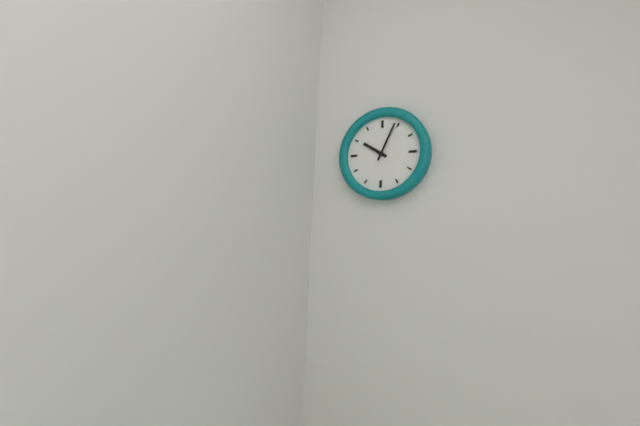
10:04
